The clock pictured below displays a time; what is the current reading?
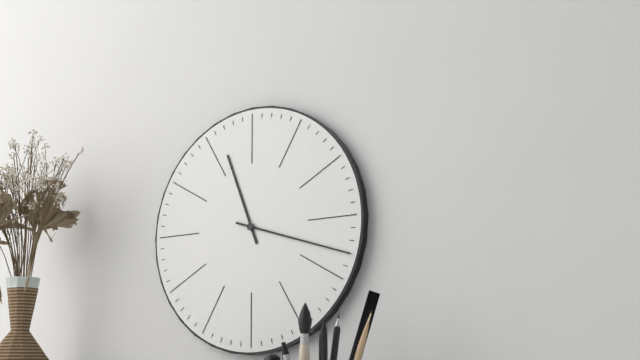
11:18
